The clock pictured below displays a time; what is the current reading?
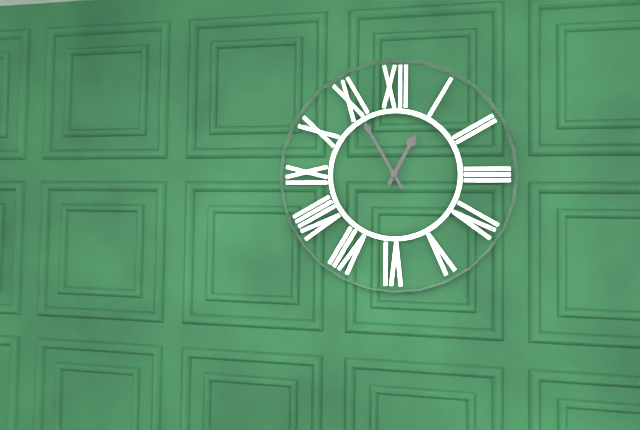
12:55
